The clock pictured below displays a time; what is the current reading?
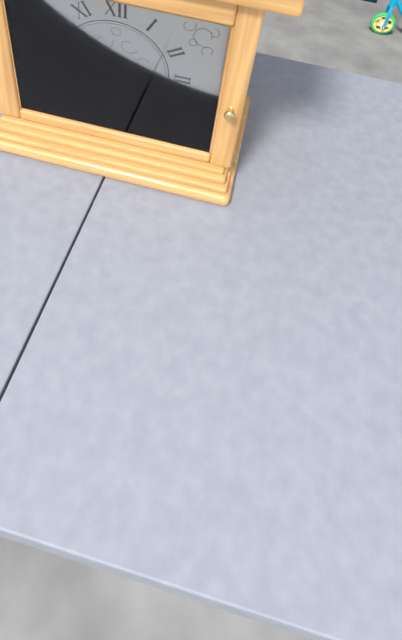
4:36:17
